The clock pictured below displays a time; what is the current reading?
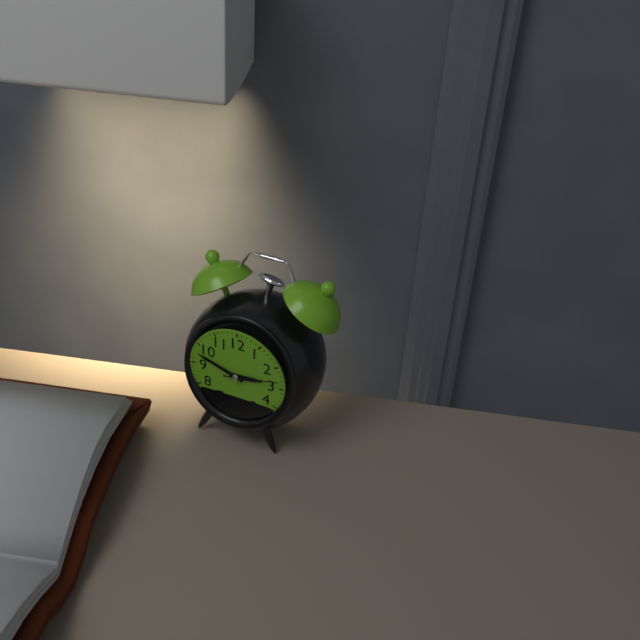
2:48:13
